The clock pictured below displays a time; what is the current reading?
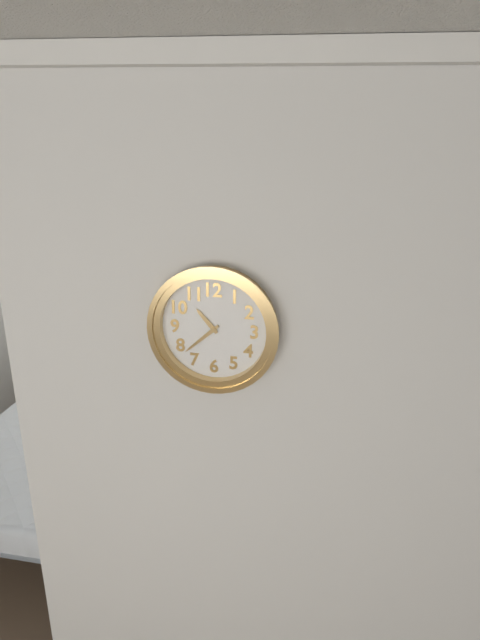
10:38
